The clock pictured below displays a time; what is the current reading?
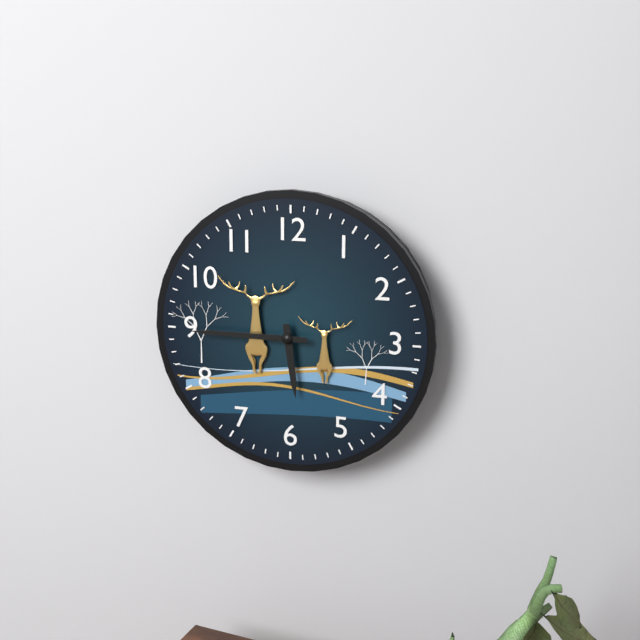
5:45
